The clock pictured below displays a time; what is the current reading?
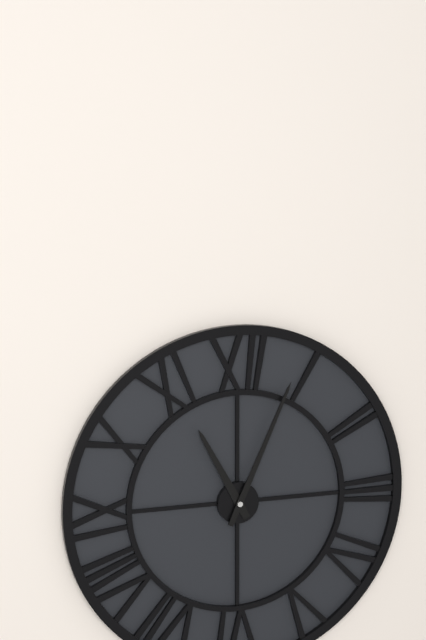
11:04
